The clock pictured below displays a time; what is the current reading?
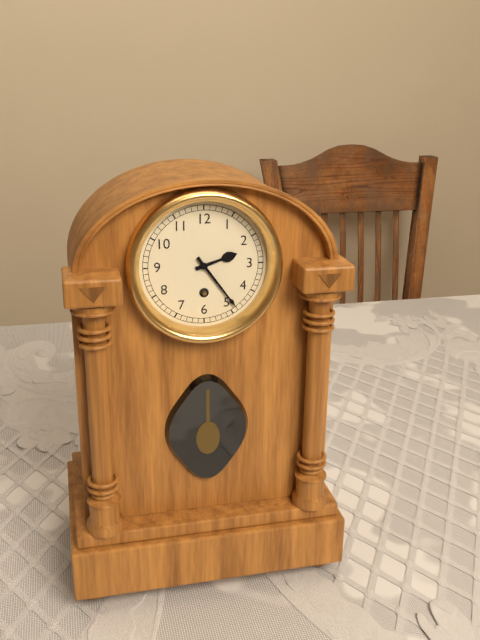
2:24
